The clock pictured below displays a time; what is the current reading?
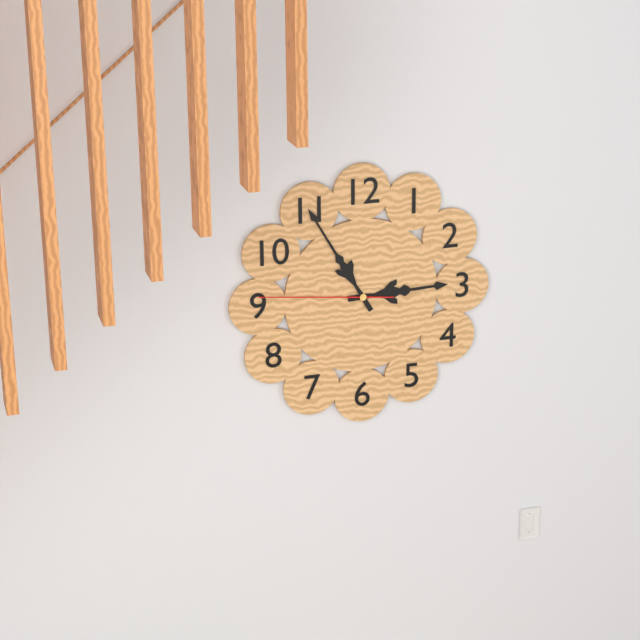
2:55:46
